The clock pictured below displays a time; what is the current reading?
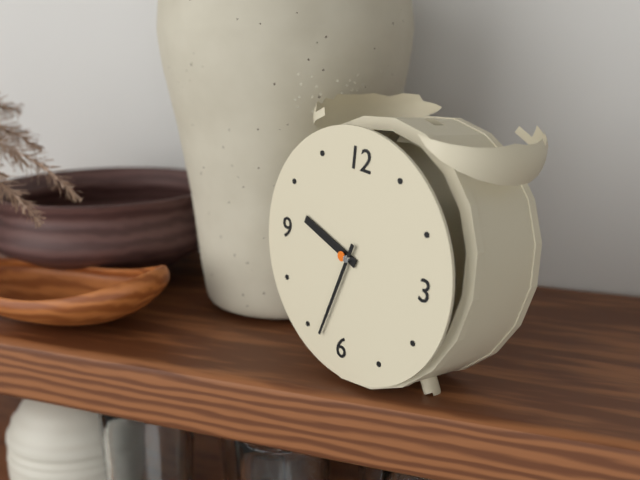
9:33
